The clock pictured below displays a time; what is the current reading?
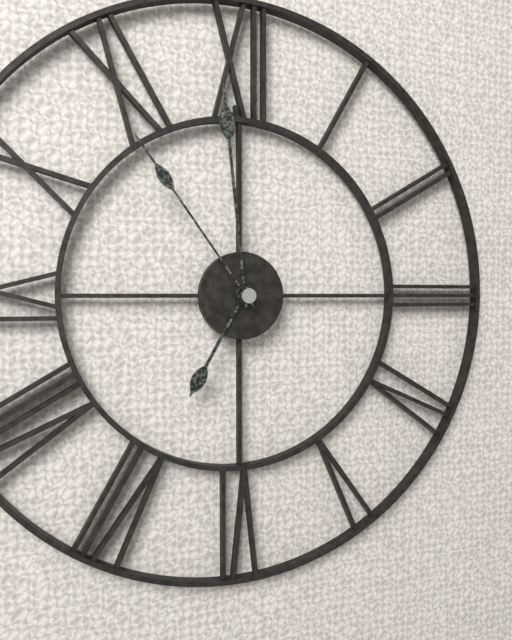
6:59:54
